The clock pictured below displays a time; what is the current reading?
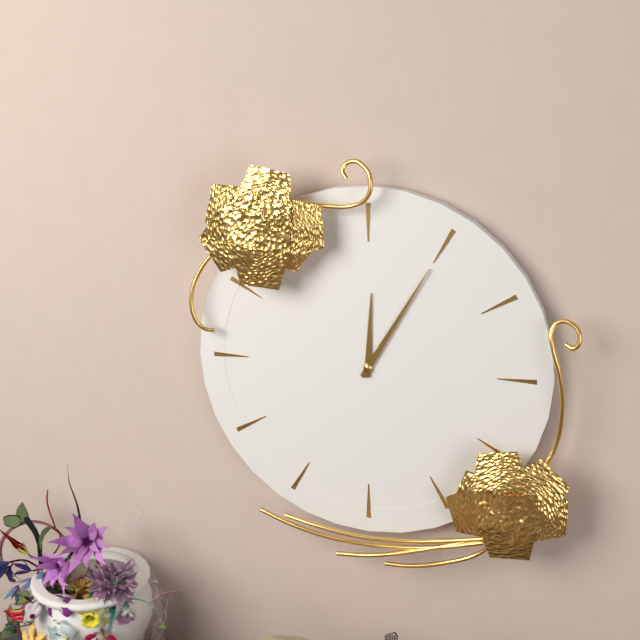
12:05
